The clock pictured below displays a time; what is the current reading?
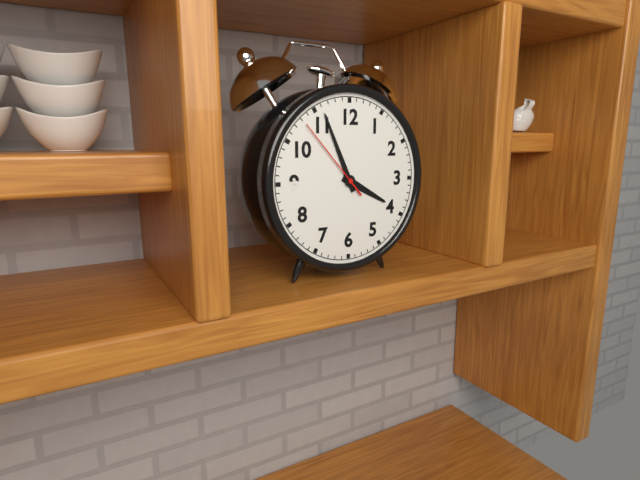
3:56:53
